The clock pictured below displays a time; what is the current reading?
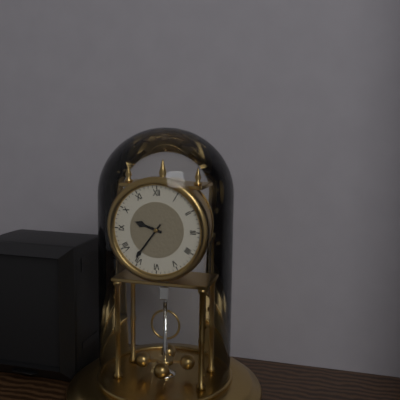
9:36
